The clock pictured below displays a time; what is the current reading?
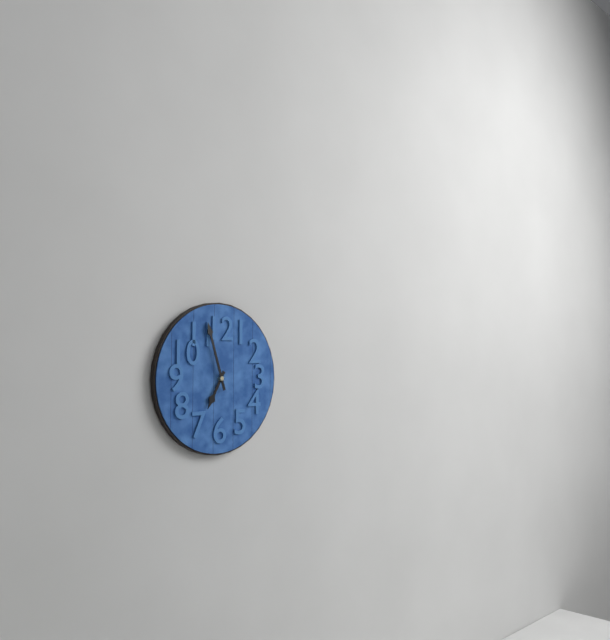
6:57
